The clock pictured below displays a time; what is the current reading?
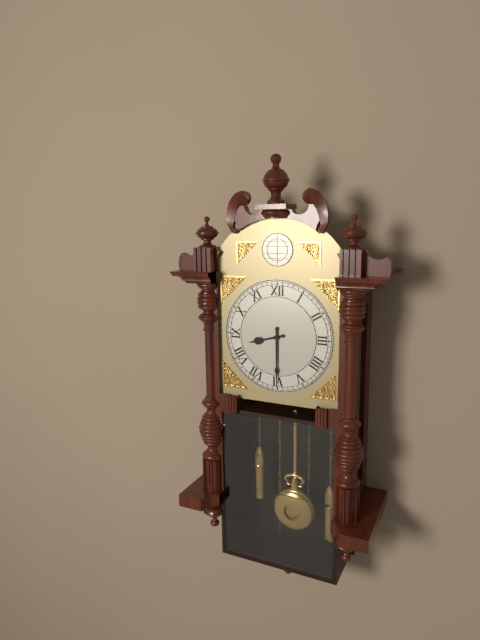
8:30
